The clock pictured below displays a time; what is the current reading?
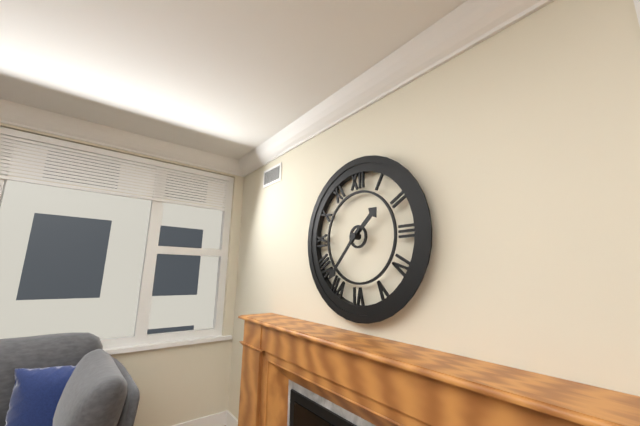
1:37
